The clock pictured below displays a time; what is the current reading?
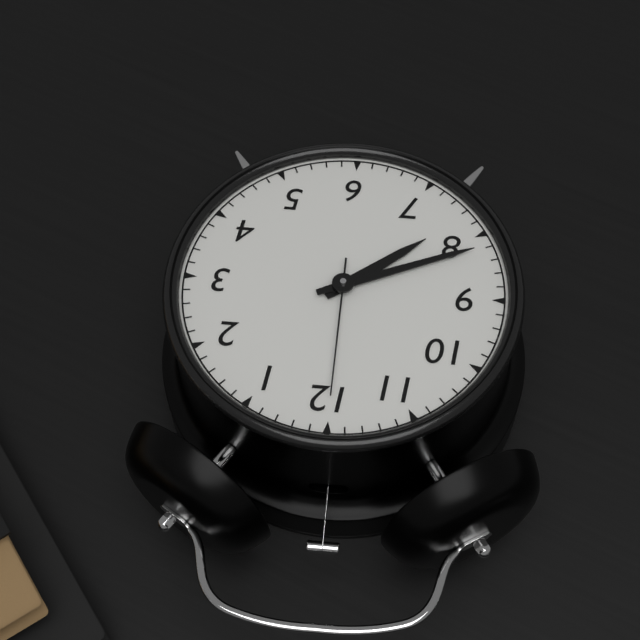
7:41:00
